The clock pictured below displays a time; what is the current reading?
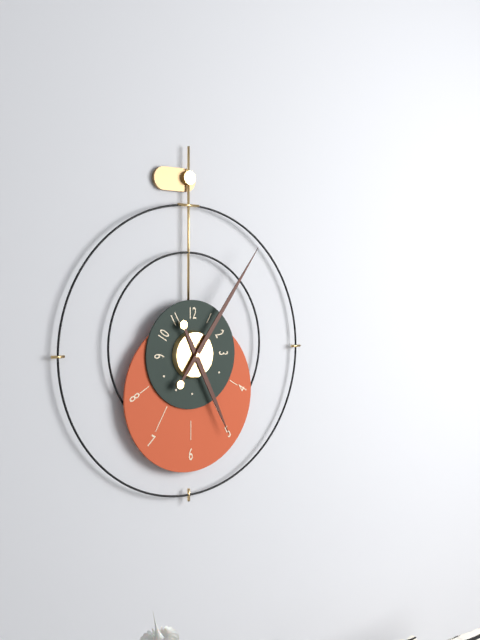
5:06
